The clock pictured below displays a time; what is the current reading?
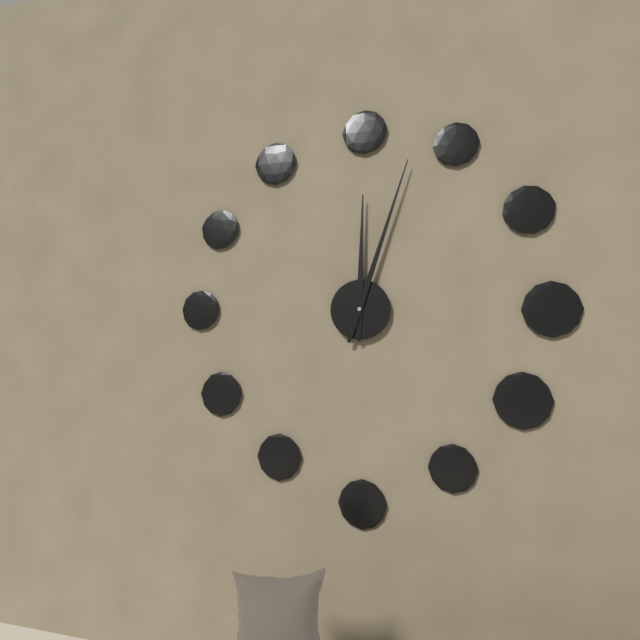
12:03
